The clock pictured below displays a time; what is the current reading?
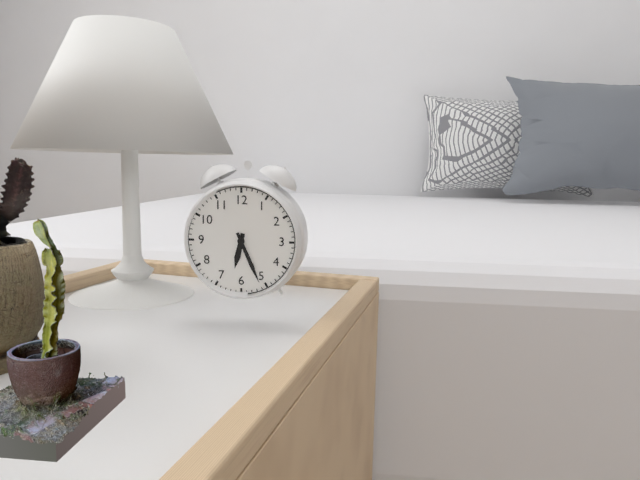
6:26
